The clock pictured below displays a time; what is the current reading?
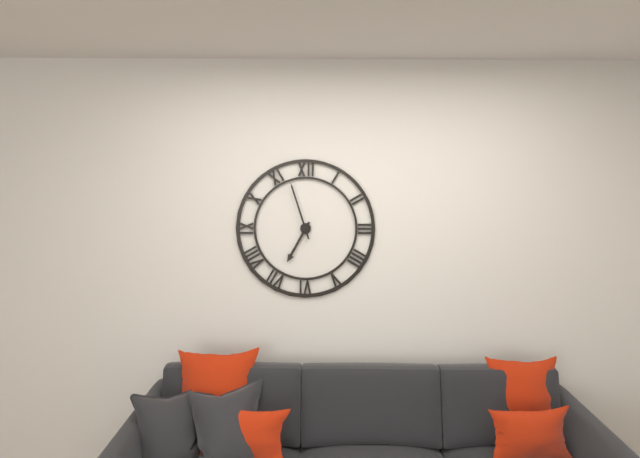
6:57
